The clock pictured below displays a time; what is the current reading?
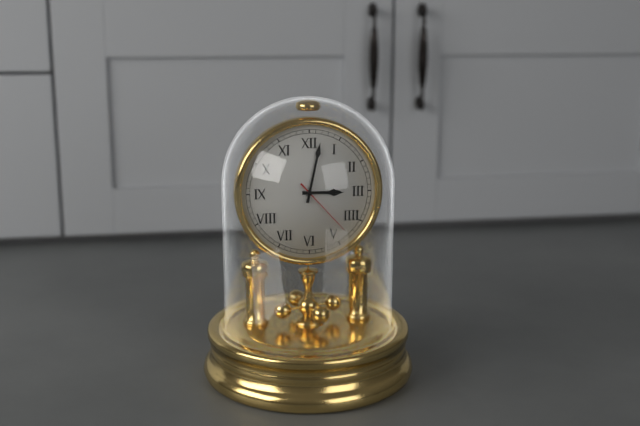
3:02:23
